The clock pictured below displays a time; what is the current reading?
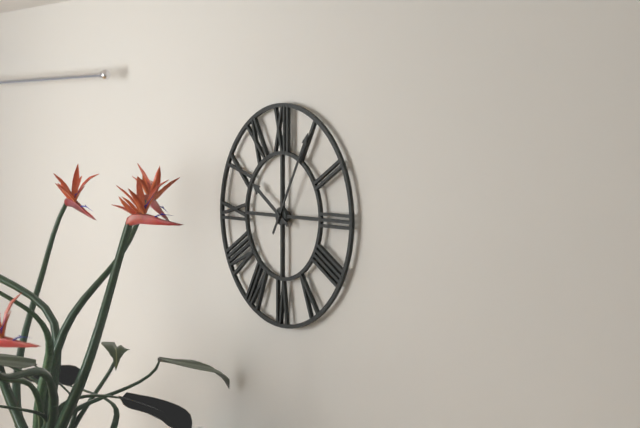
10:05
